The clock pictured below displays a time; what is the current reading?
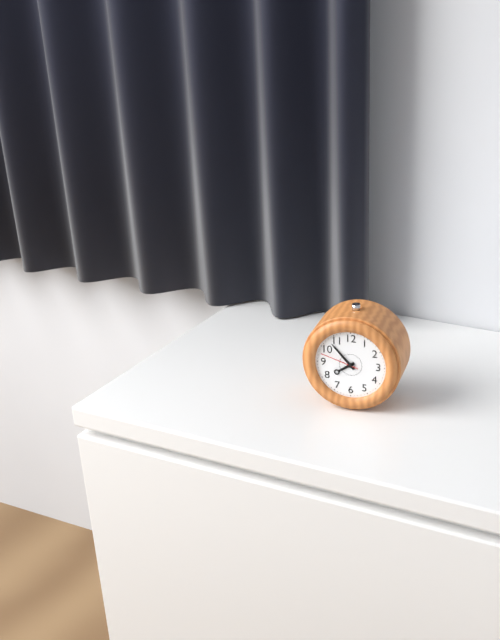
7:53
